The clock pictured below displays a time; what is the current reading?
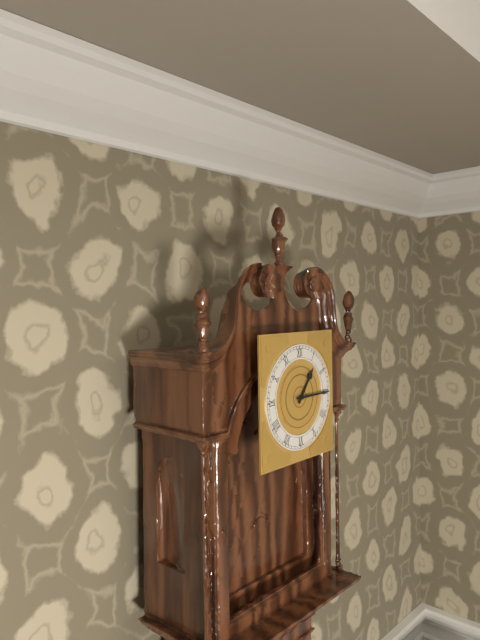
1:15
